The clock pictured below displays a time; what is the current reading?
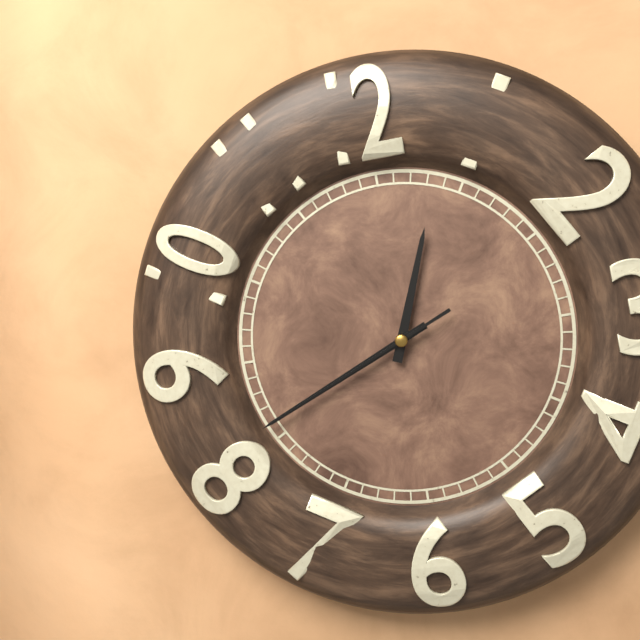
12:41:41
